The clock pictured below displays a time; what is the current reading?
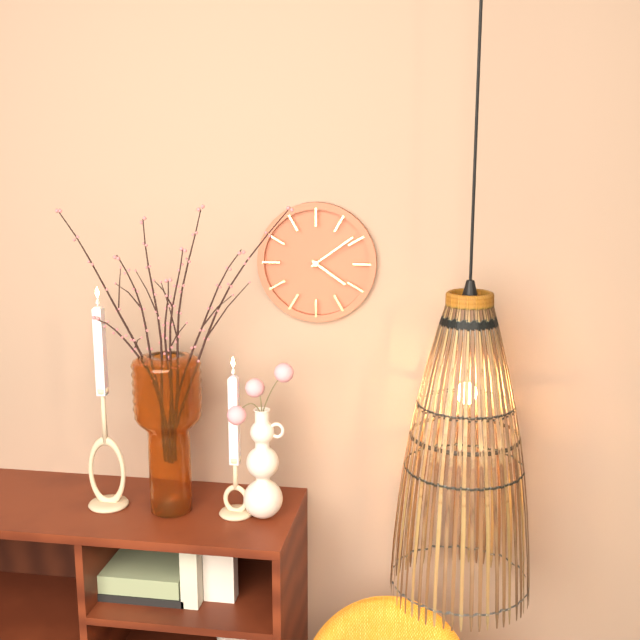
4:09
